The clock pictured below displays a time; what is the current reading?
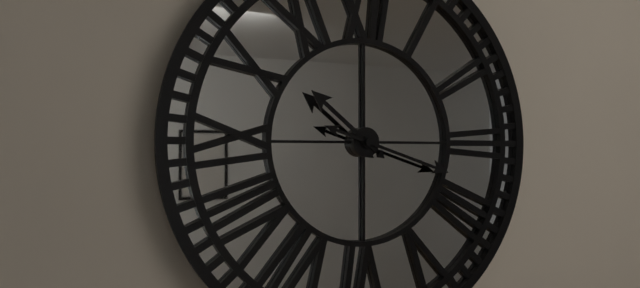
10:18
